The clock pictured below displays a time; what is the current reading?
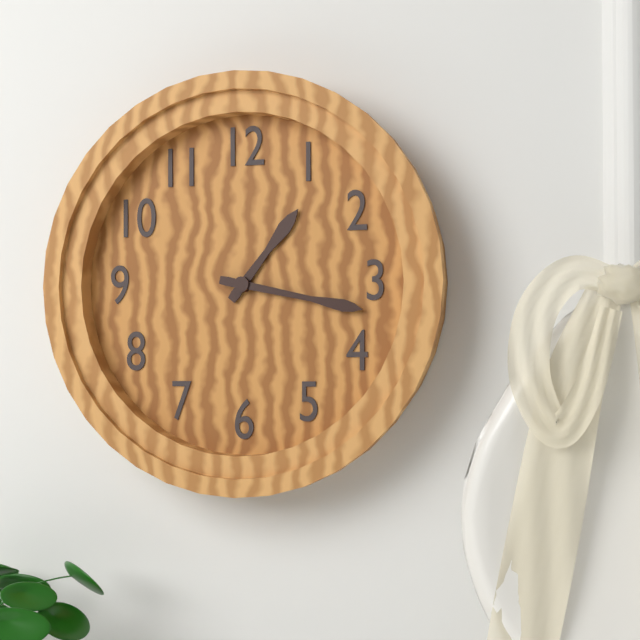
1:17
